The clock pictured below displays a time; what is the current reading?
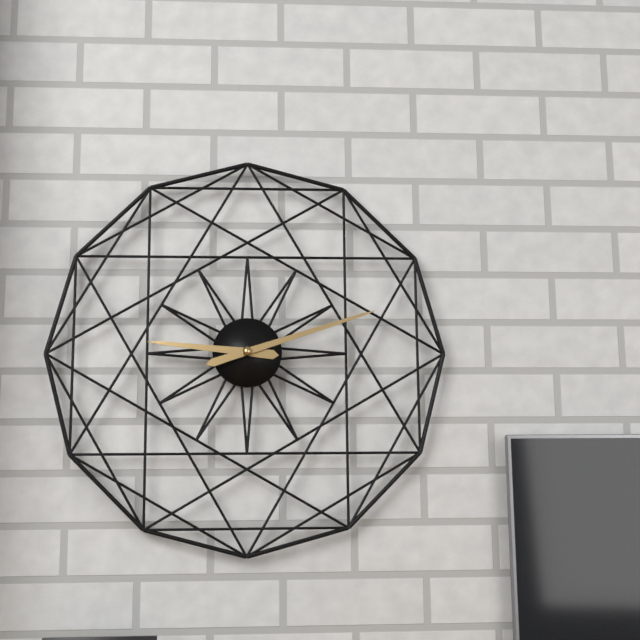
9:12
